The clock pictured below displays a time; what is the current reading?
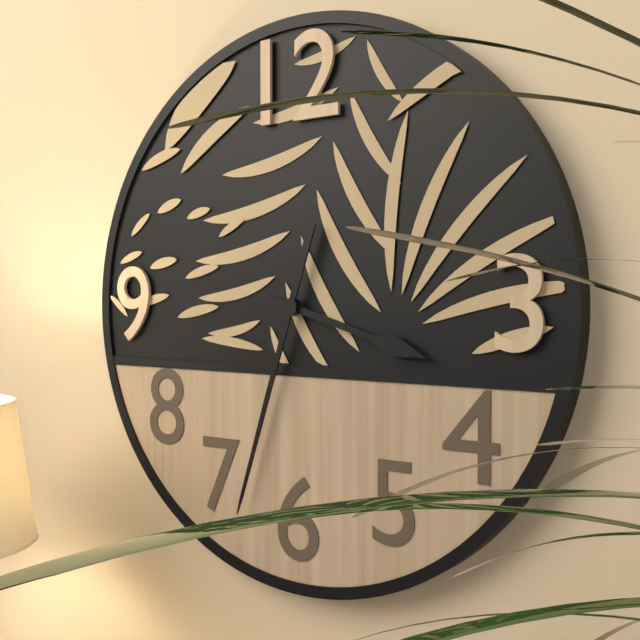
3:33
